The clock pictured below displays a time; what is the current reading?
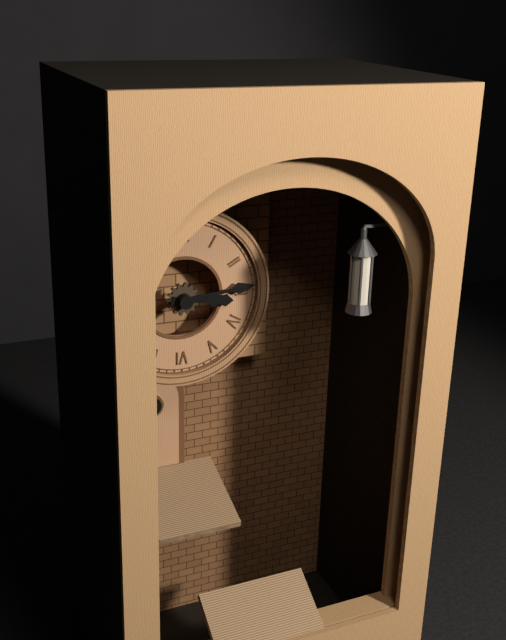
3:14
